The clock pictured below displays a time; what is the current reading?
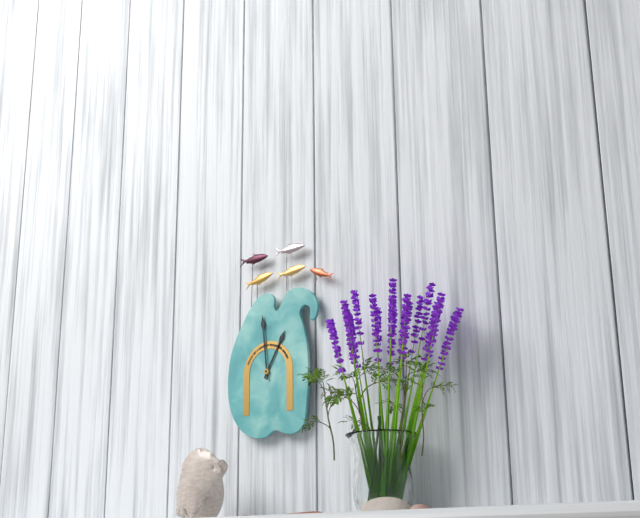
12:59
